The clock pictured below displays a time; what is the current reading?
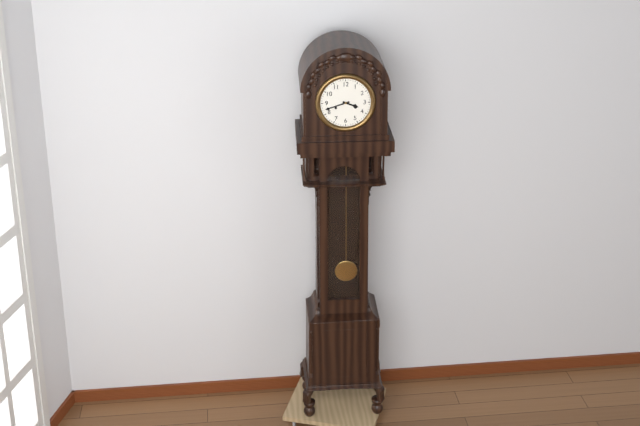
3:42
